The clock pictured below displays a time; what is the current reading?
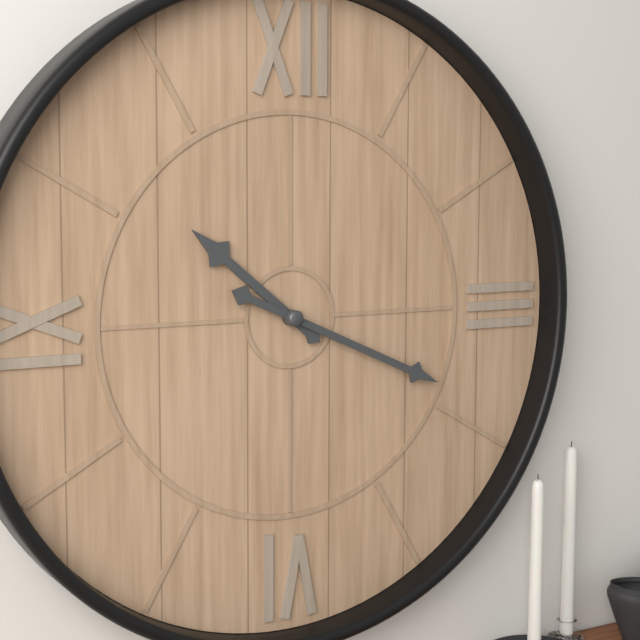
10:19
